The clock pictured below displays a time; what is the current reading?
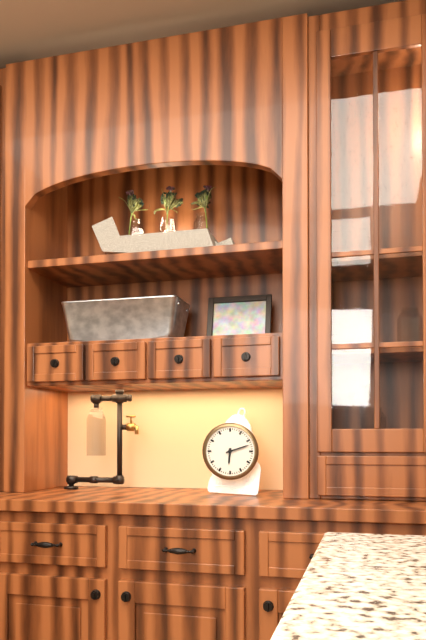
6:12
